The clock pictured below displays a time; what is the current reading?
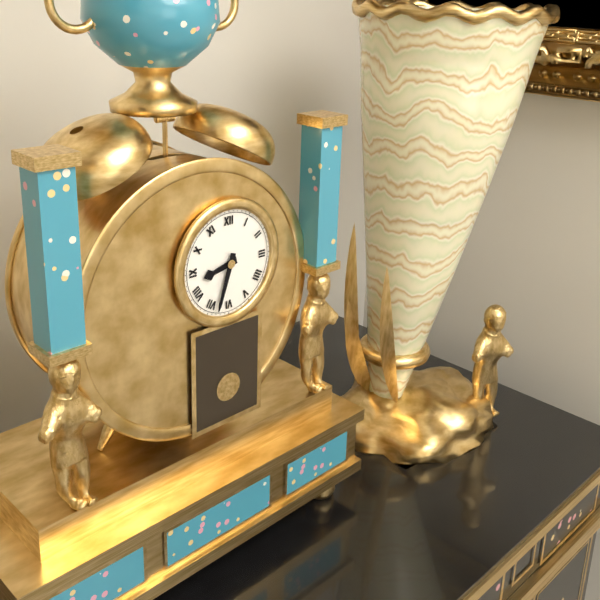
8:33
